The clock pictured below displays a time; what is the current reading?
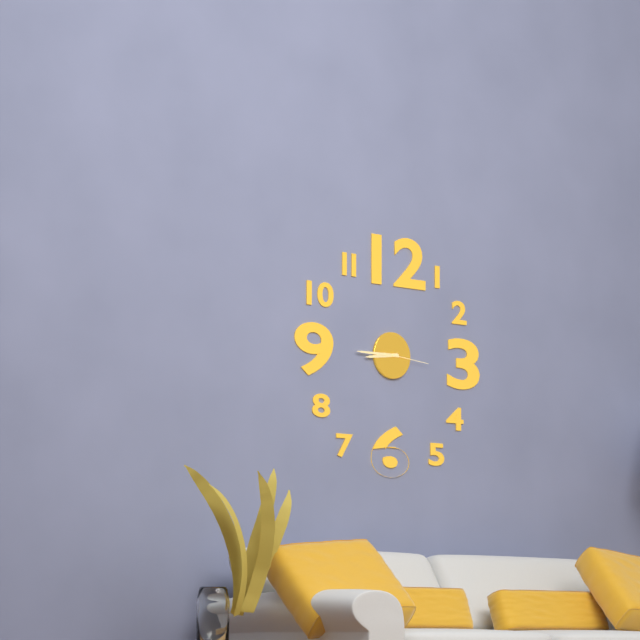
8:45
